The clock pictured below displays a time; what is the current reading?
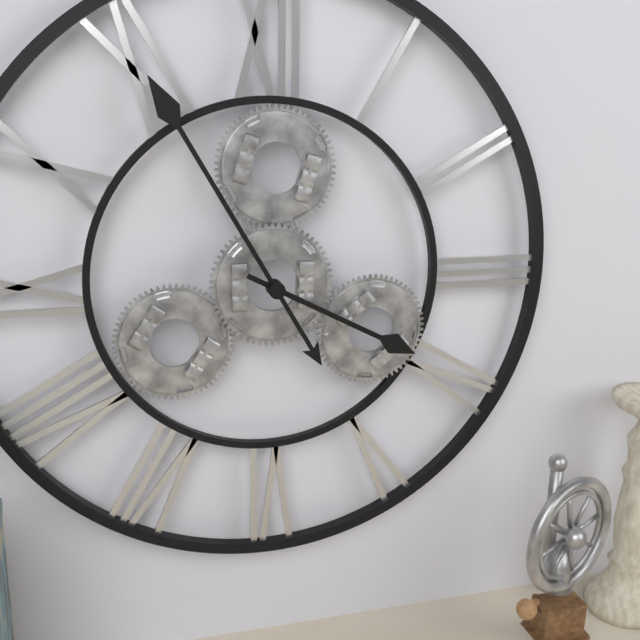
3:55
